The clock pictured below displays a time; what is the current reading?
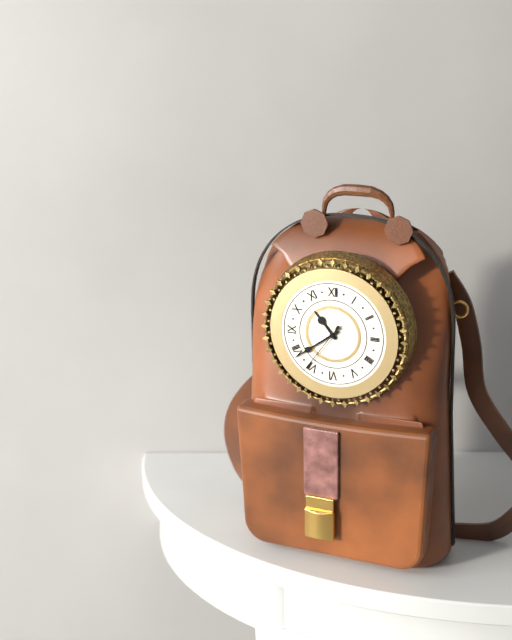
10:39:36
